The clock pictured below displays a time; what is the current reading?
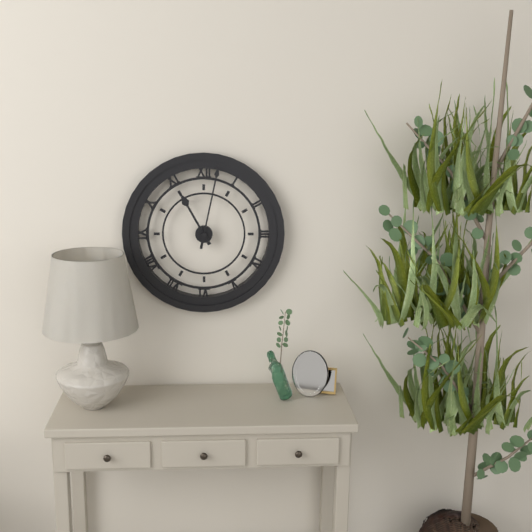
11:02
